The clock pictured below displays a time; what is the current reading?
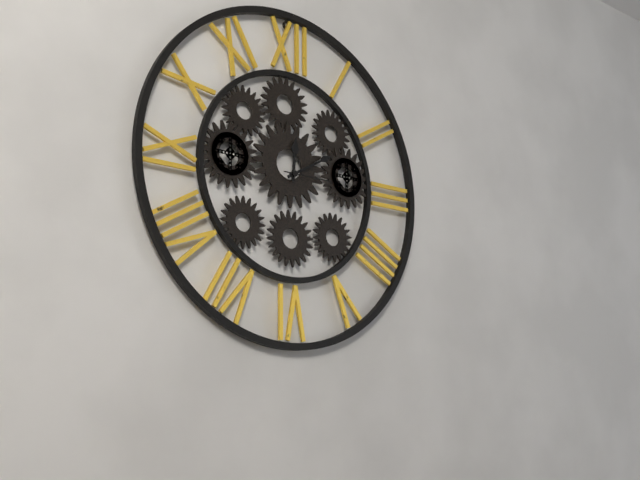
12:10:15
